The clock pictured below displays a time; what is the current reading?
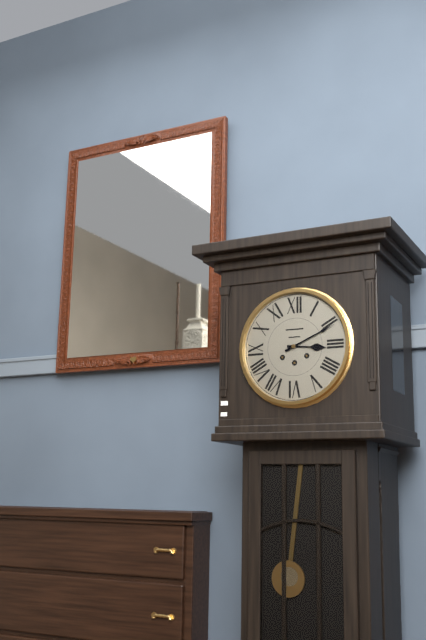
3:11
